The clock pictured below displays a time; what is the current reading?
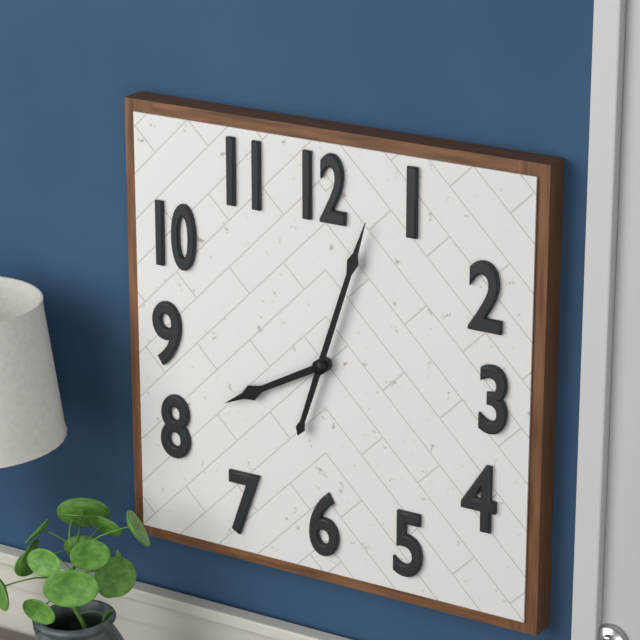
8:03
